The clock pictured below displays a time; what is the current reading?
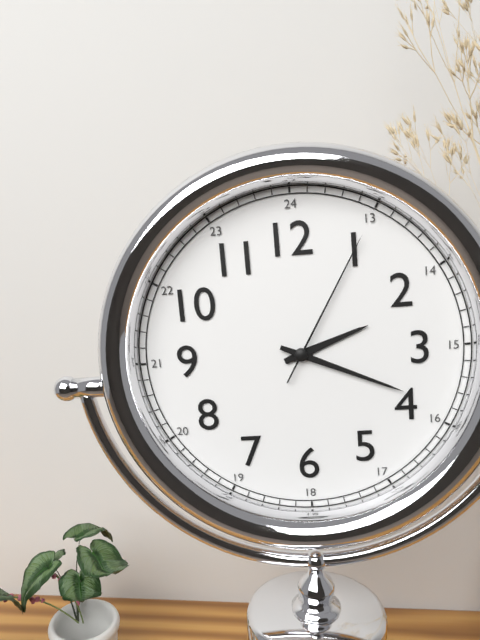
2:19:05
